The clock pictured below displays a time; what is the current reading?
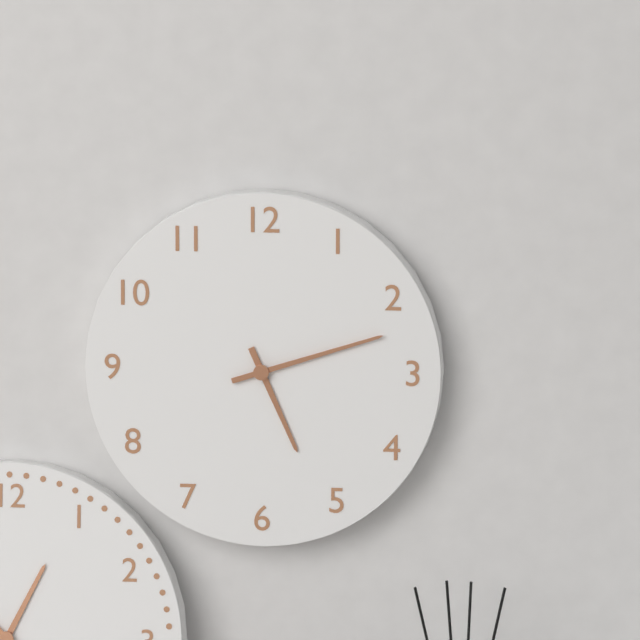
5:12
